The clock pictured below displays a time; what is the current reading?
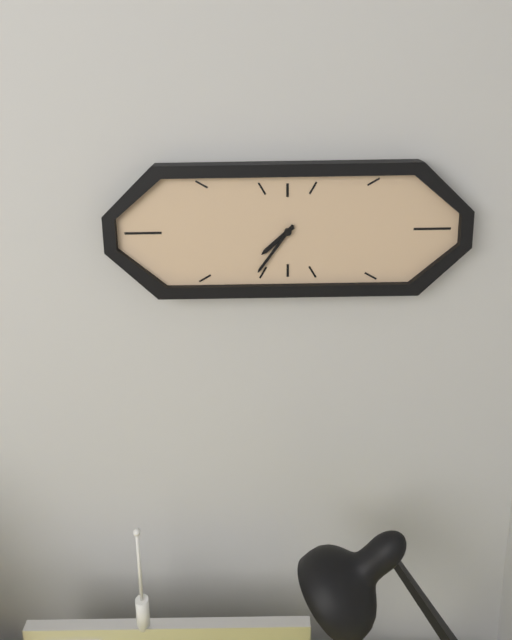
7:36
